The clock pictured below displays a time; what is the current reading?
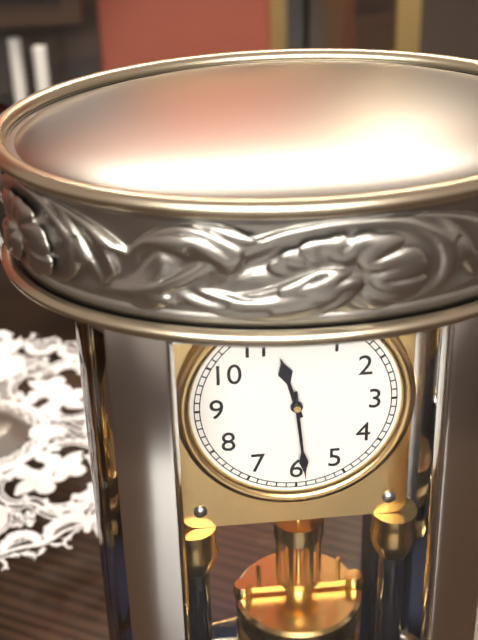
11:29
